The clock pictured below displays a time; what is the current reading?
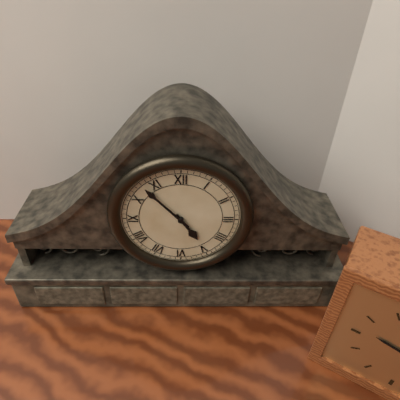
4:53
